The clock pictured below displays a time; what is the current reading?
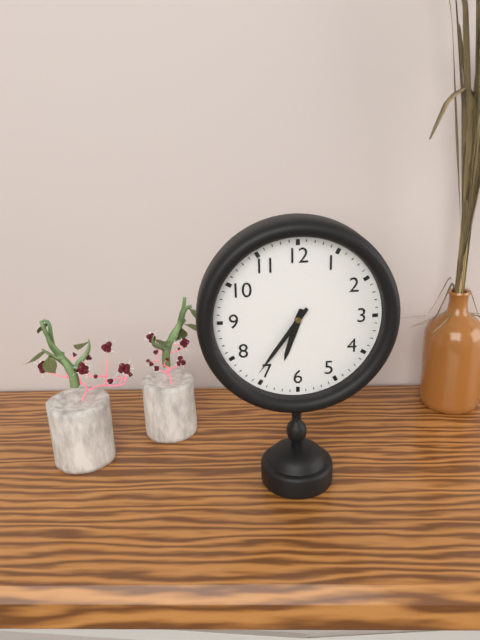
6:36
